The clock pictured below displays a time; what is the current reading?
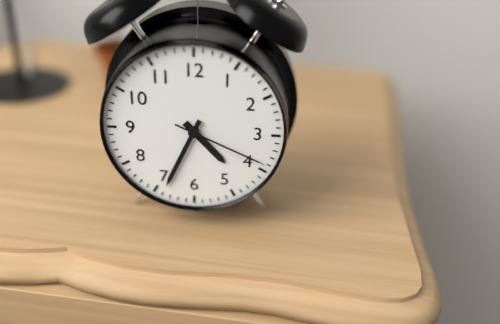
4:34:19
